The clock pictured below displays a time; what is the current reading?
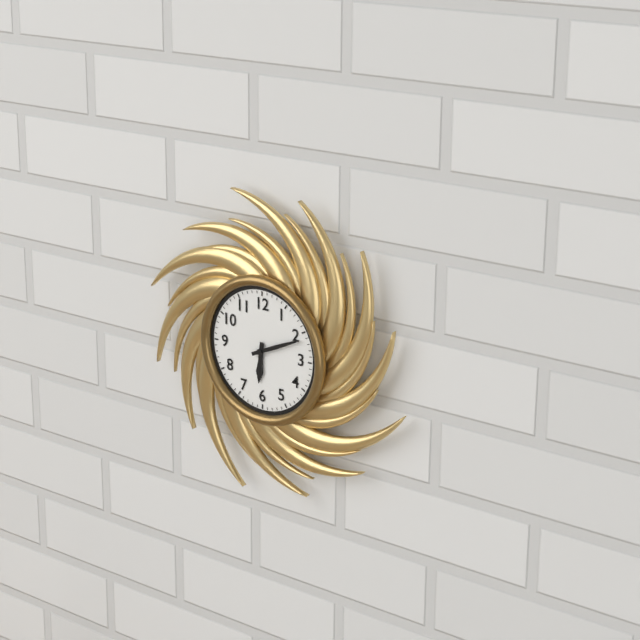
6:11
